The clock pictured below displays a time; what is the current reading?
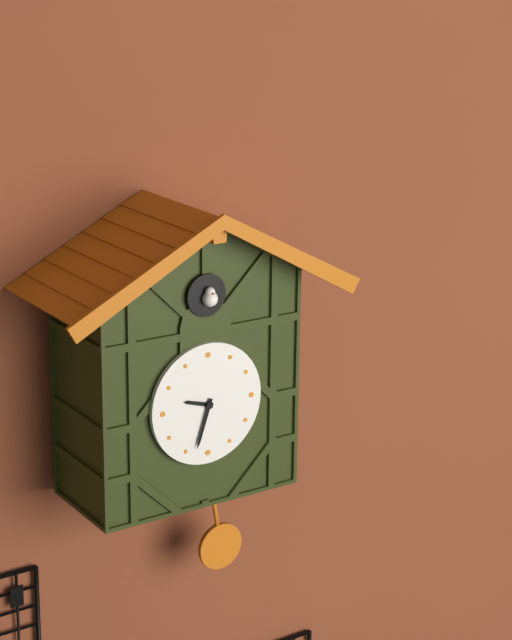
9:33
